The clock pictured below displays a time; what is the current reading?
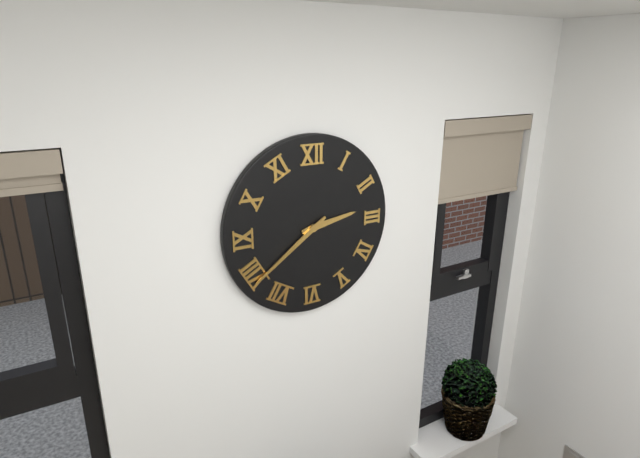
2:39
